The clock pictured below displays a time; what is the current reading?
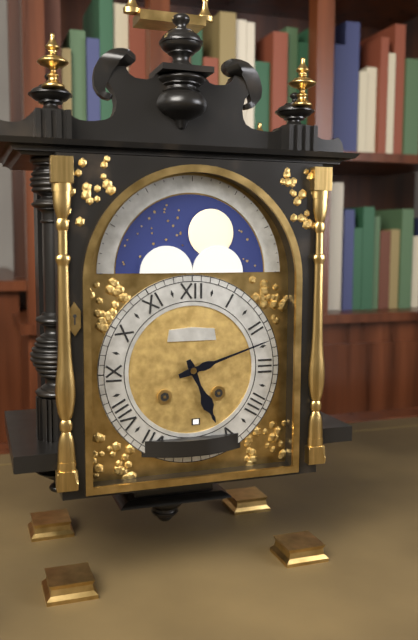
5:12
